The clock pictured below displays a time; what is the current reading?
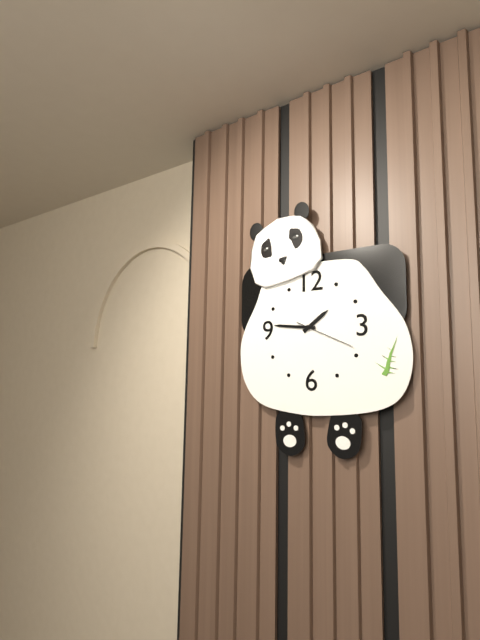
1:46:19
